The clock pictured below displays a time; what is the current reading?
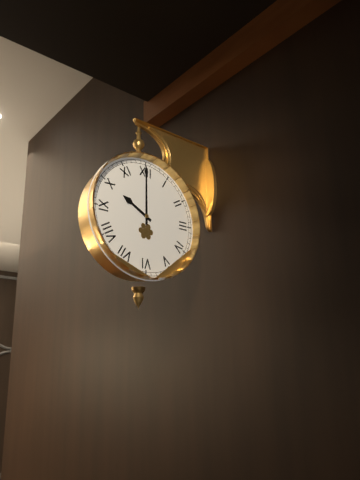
10:00
